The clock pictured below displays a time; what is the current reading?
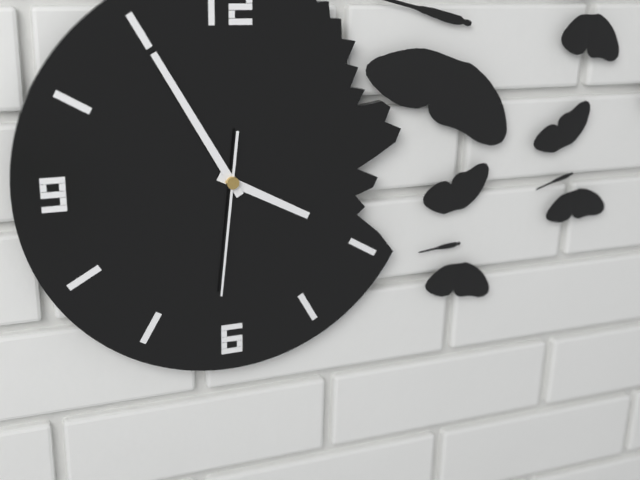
3:55:31
